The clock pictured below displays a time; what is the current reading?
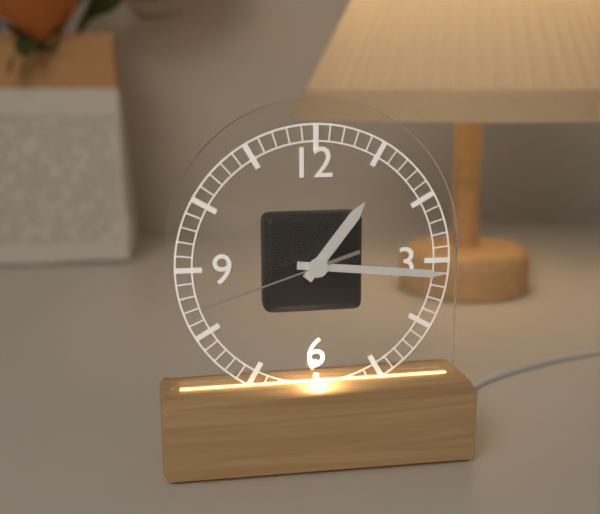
1:16:42
